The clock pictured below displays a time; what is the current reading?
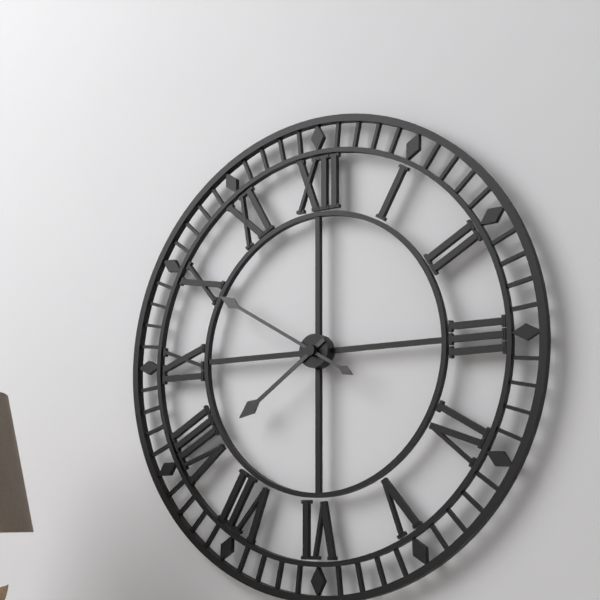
7:50
